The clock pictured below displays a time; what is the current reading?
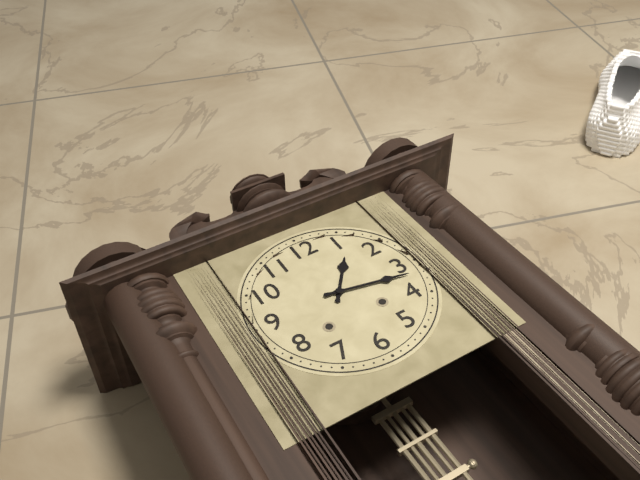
1:17
